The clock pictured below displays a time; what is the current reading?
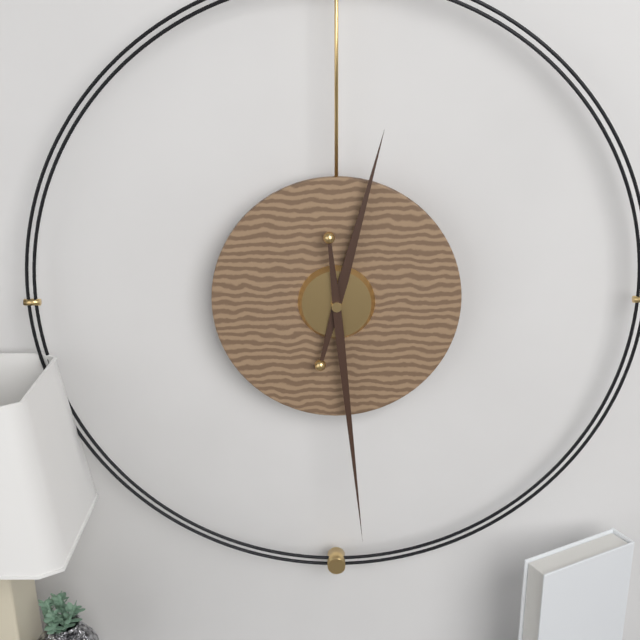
12:29
